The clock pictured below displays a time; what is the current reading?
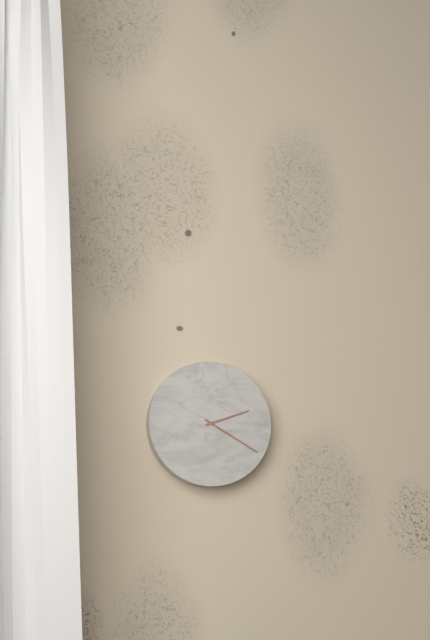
2:20
